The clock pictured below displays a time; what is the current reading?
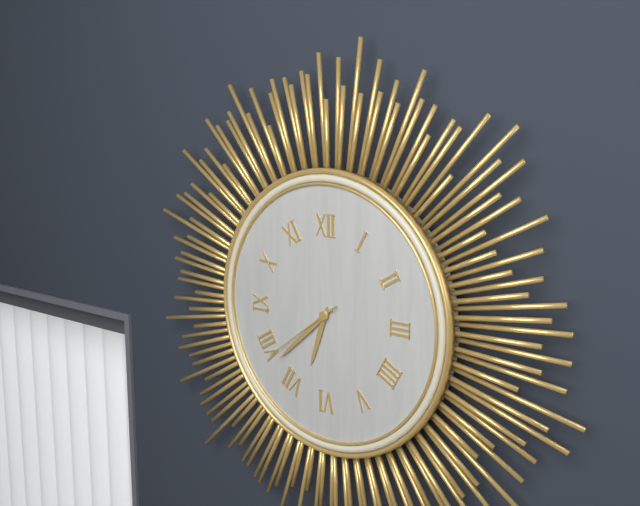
6:38:39
